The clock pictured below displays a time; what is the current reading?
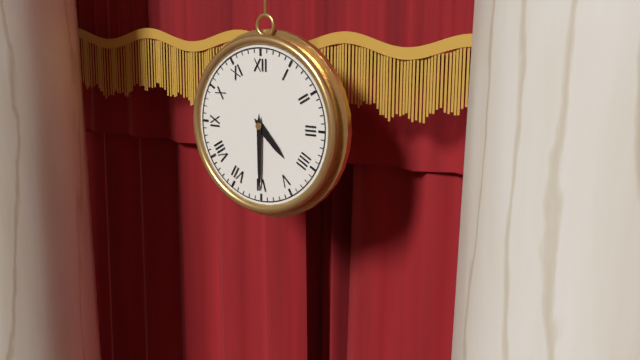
4:30
